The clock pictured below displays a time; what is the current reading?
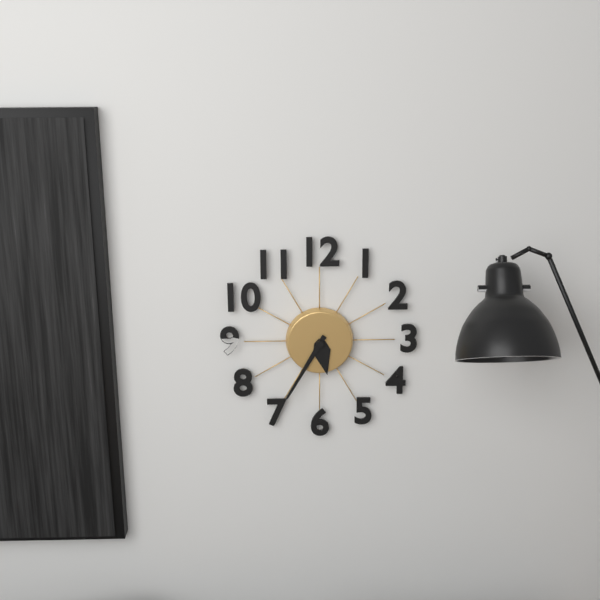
5:35
